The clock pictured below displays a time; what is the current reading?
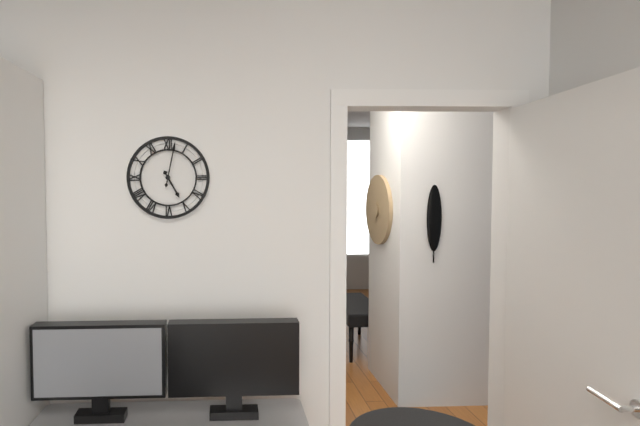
5:02
